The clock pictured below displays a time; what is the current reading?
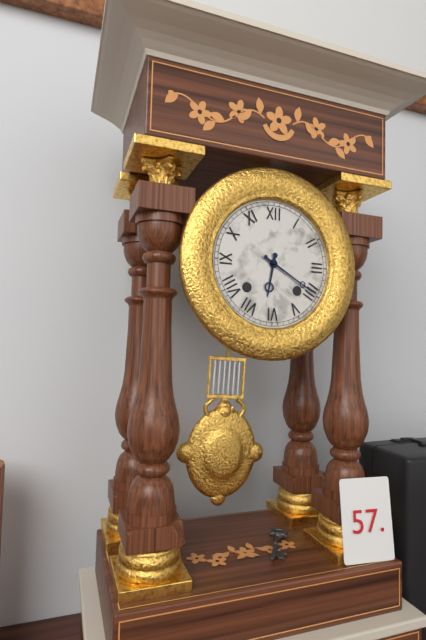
6:20
